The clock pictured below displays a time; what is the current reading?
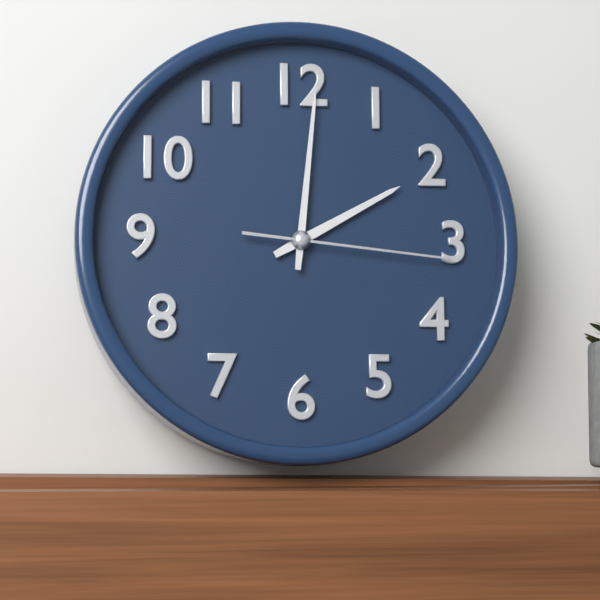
2:01:16
